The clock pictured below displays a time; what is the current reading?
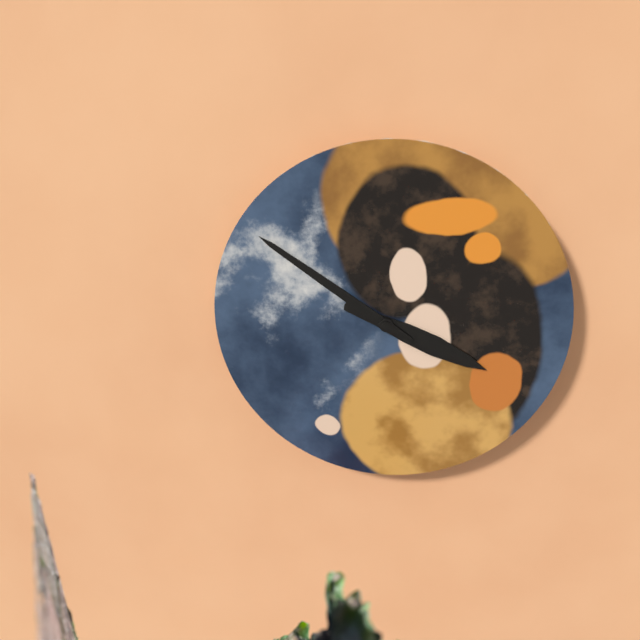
3:51
